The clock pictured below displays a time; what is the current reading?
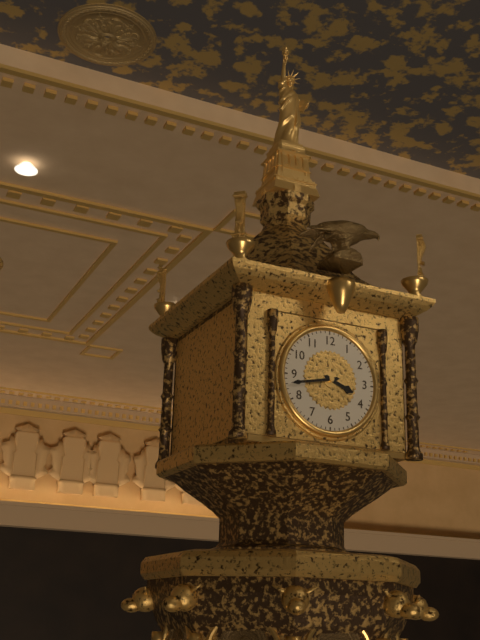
3:43
